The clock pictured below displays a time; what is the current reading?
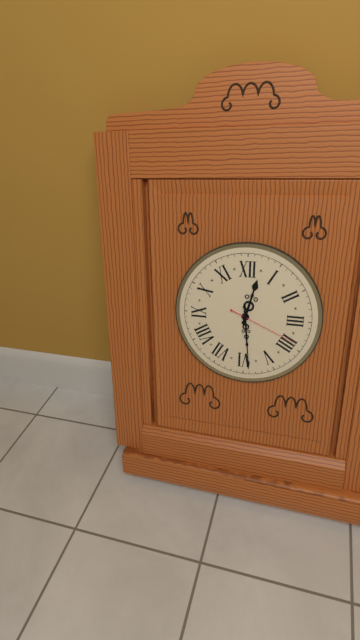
12:29:19
